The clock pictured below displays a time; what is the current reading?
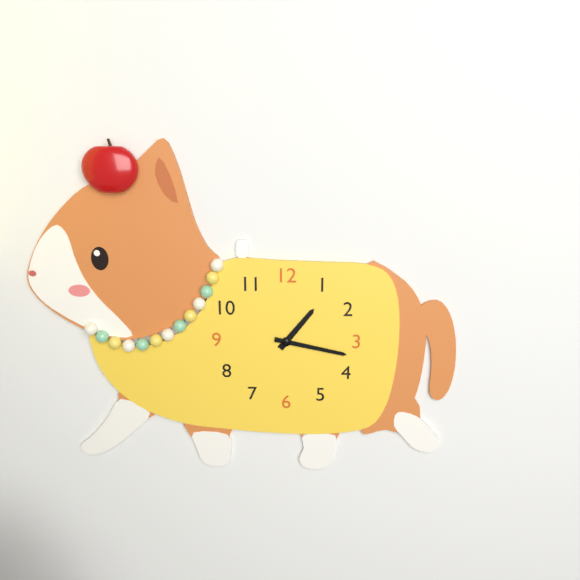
1:17
